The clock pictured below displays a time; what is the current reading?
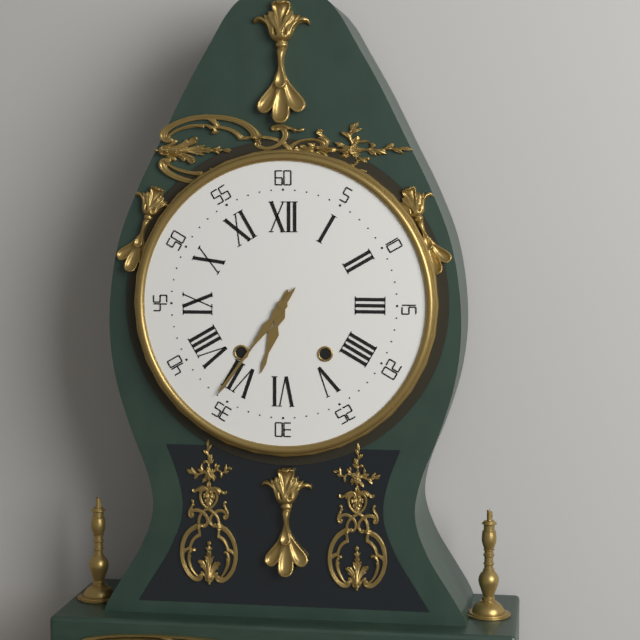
6:36
